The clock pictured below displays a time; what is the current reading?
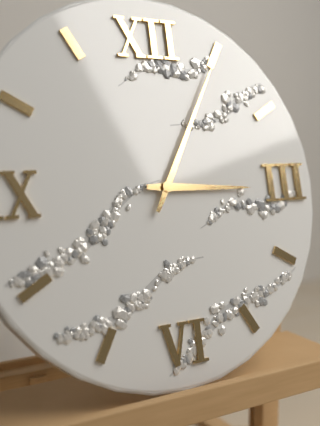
3:05
